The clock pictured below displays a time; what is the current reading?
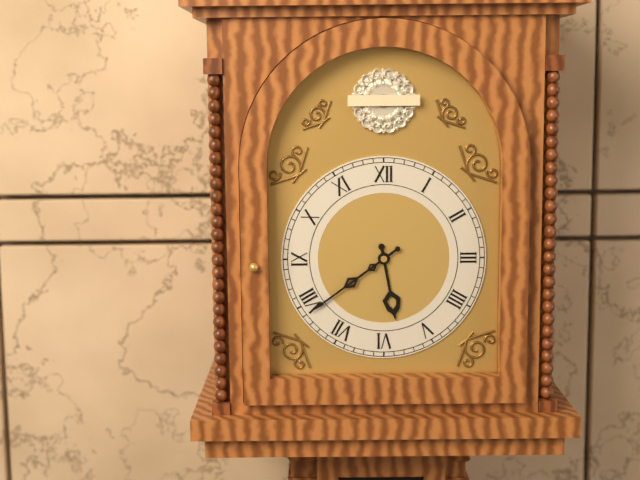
5:39
